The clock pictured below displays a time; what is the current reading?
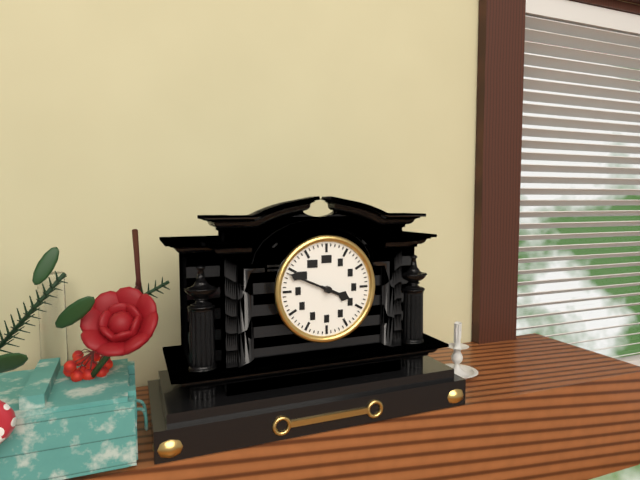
3:49
